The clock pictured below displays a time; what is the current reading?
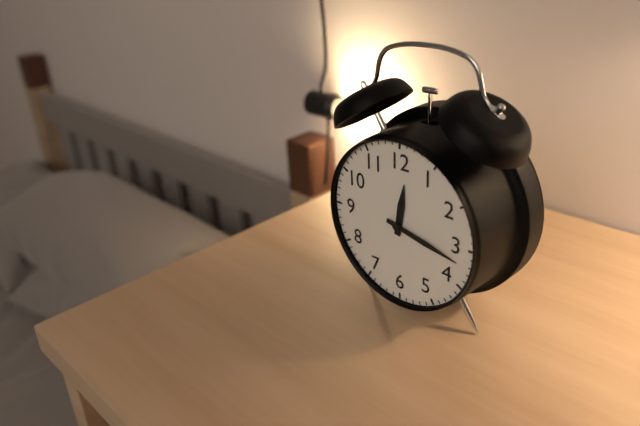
12:17
